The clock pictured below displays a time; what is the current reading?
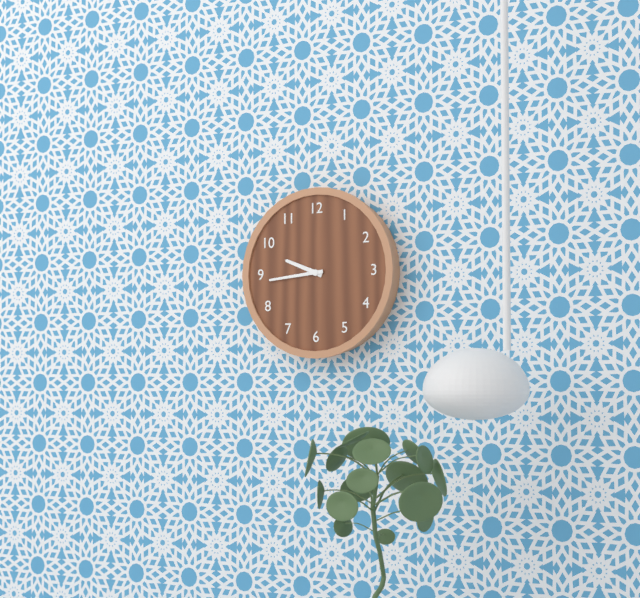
9:44
